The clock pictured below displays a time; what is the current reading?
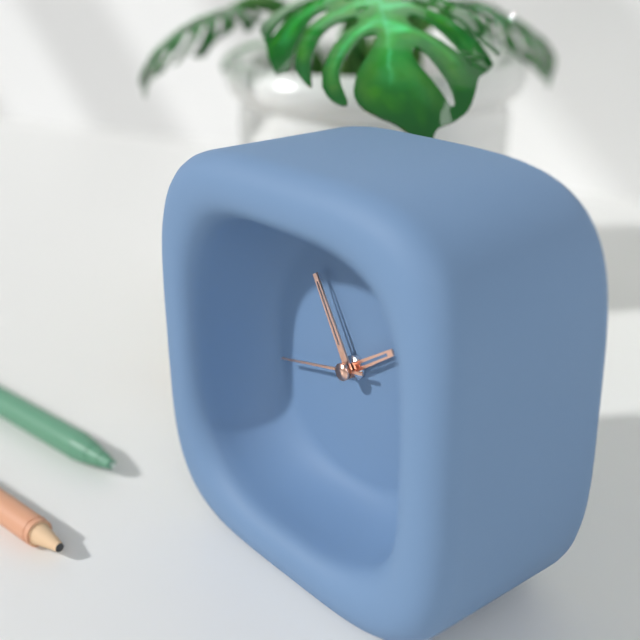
1:55:43
